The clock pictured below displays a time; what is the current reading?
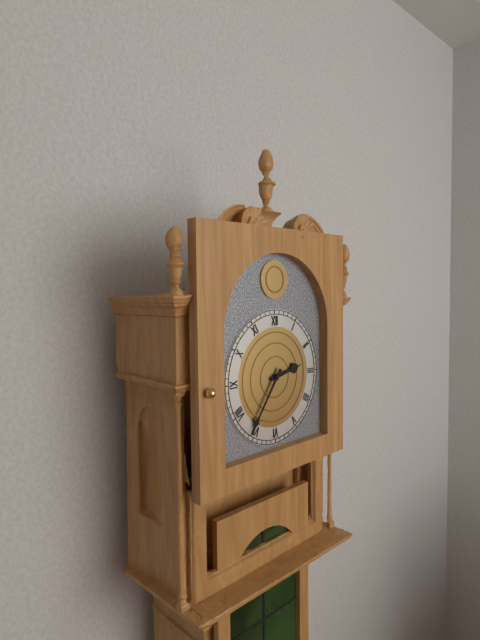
2:36
